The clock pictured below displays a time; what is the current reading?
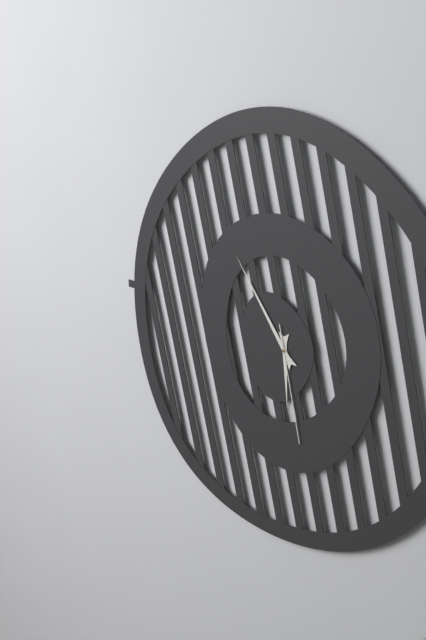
5:54:28
